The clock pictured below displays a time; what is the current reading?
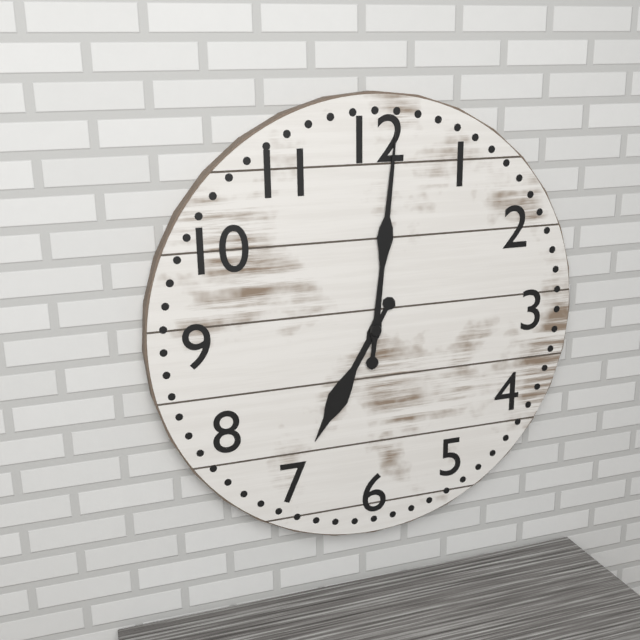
7:01
